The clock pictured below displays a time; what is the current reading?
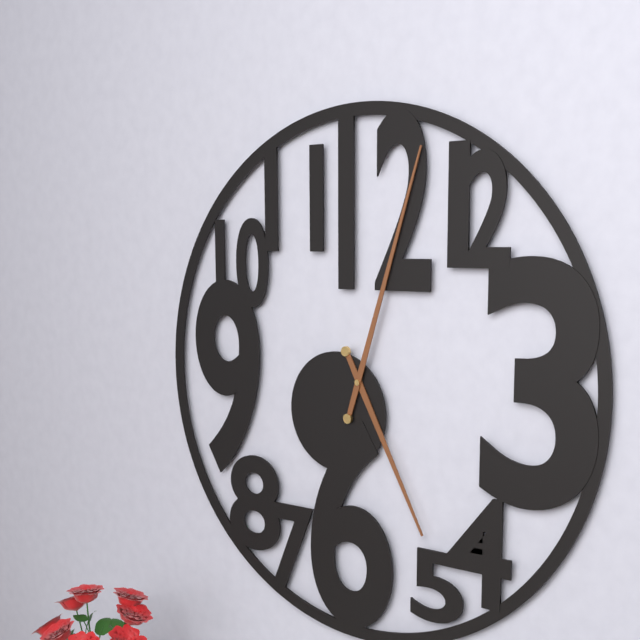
5:03
